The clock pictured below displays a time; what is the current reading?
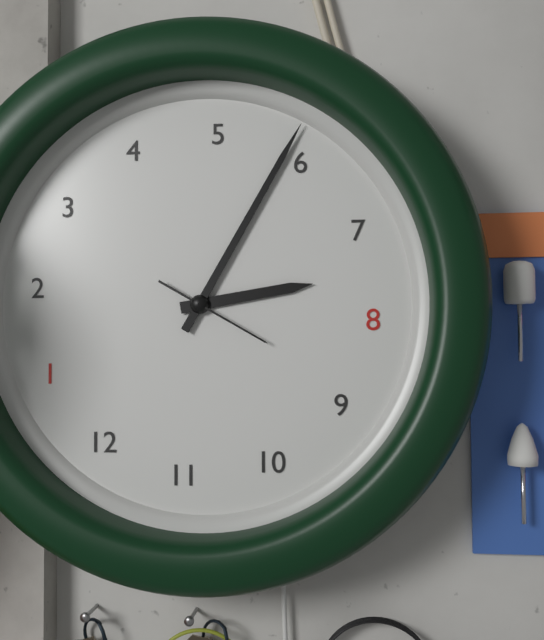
7:29:44
